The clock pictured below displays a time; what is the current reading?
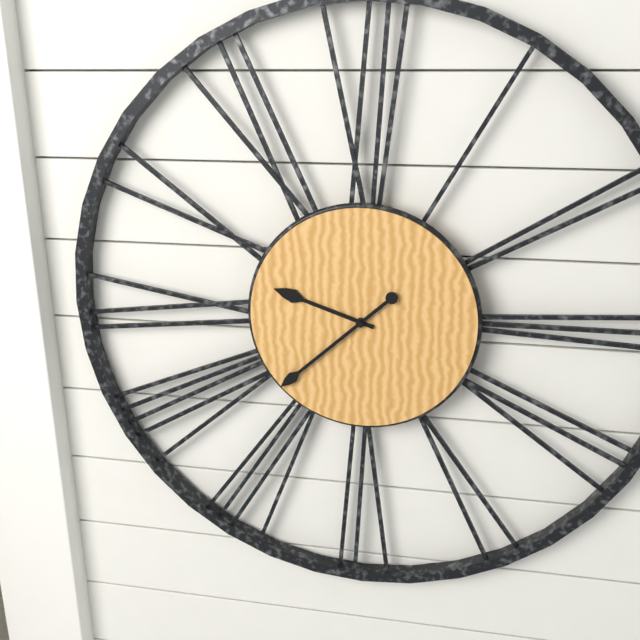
9:38
